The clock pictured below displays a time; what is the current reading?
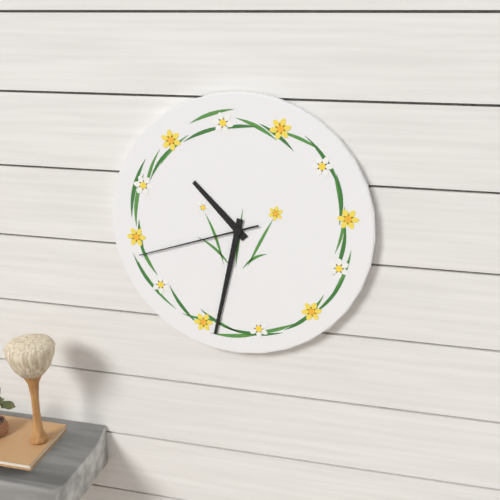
10:32:42
